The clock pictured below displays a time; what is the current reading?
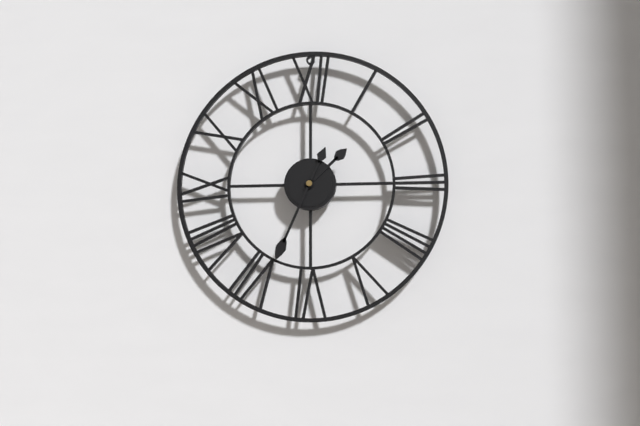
1:34
